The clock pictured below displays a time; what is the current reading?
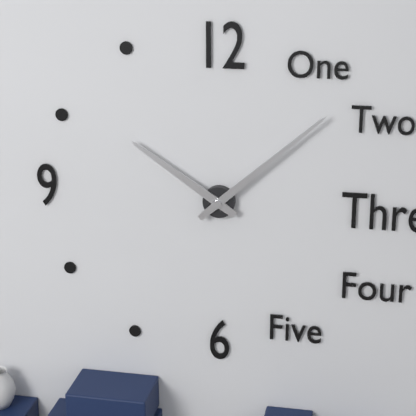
10:08
